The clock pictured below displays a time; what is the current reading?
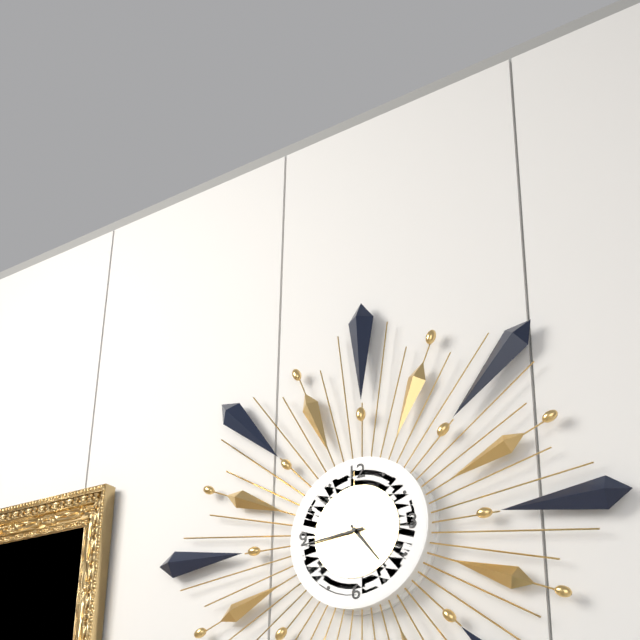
4:44:00
